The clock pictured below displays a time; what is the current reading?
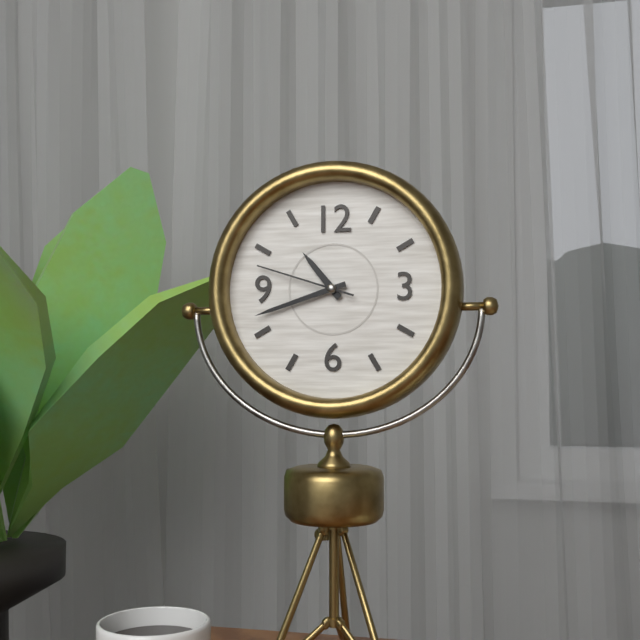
10:42:48
